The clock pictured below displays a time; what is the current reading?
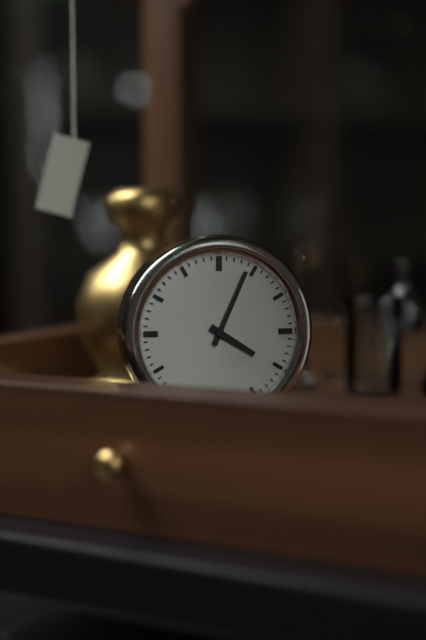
4:04
